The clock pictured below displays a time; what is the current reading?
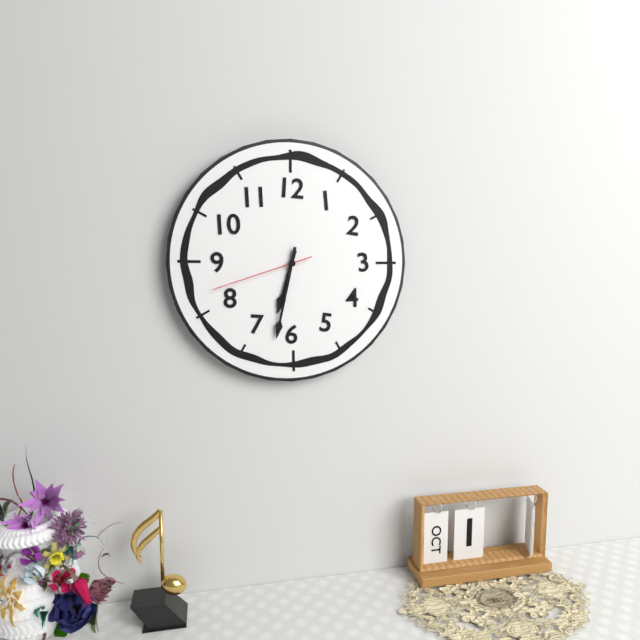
6:32:42
